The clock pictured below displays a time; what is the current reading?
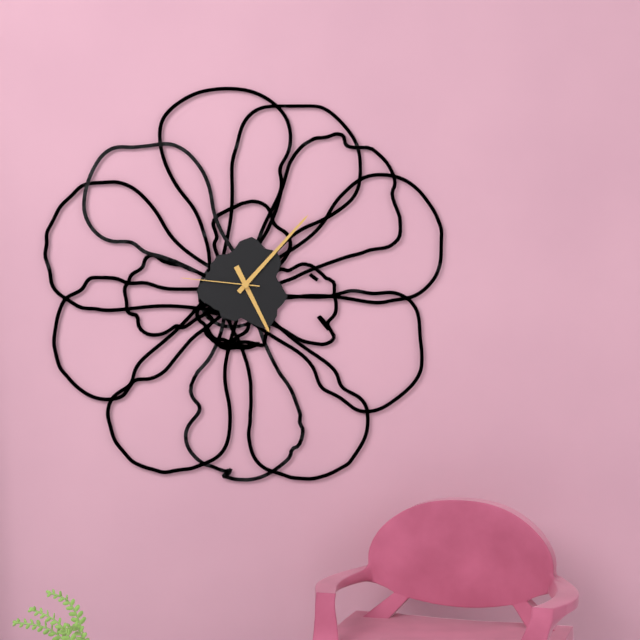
5:07:46
